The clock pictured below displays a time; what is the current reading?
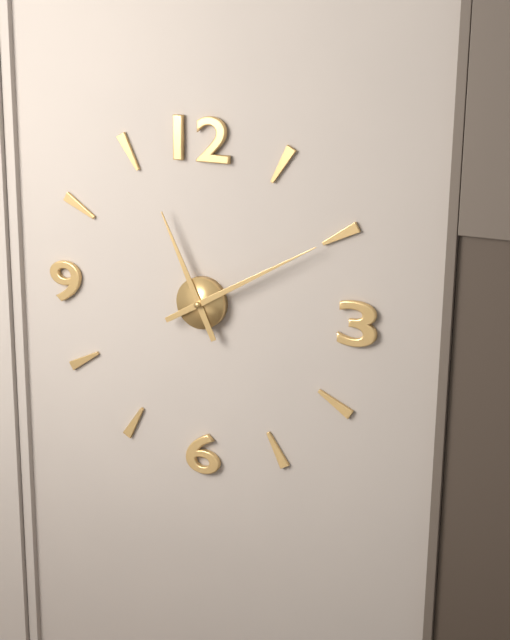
11:10
